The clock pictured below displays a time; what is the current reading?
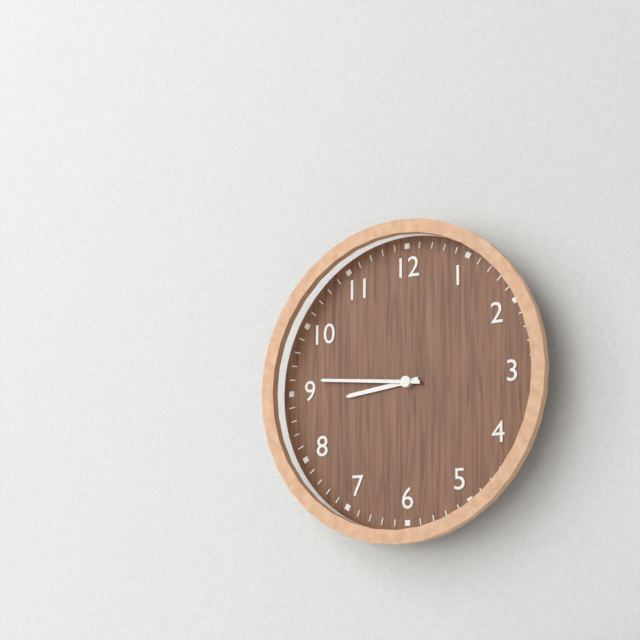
8:46
